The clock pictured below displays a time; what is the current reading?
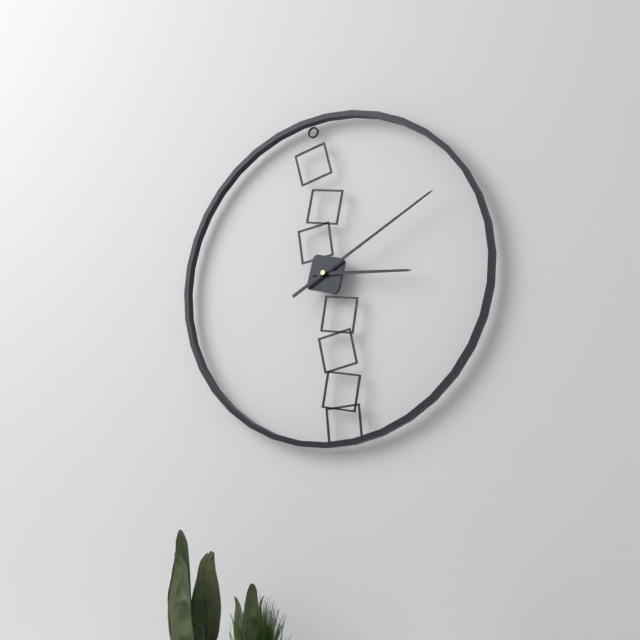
3:10
